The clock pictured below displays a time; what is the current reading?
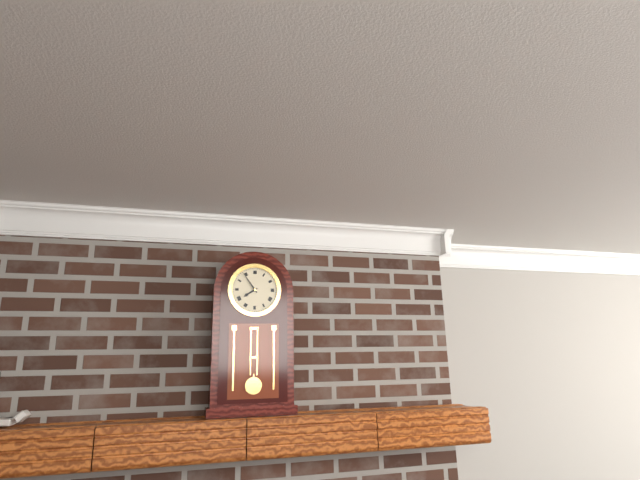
7:54
